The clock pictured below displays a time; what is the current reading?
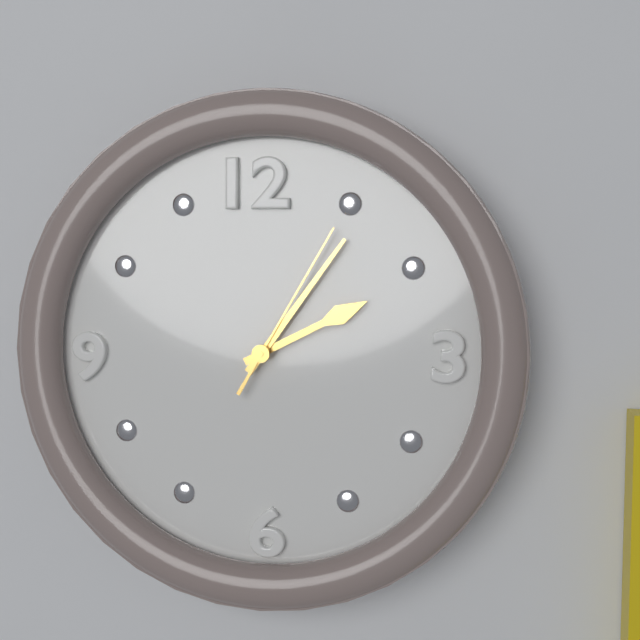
2:06:05
